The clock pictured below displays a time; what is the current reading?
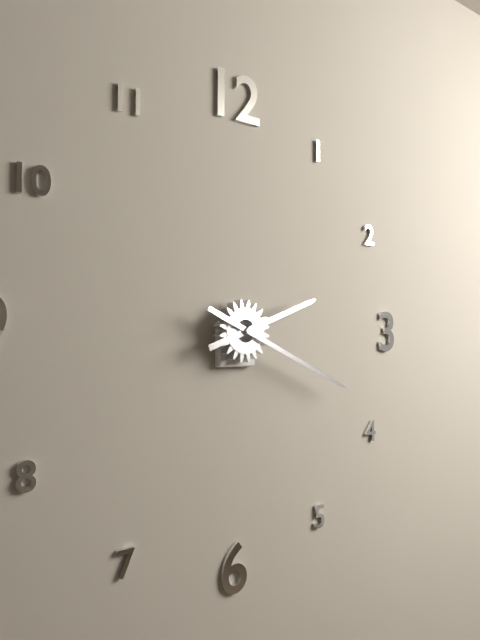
2:19
